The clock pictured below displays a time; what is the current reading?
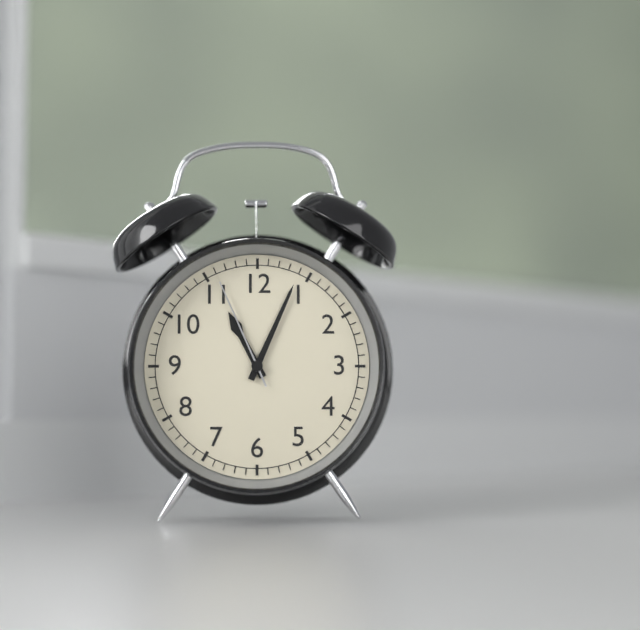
11:04:56
